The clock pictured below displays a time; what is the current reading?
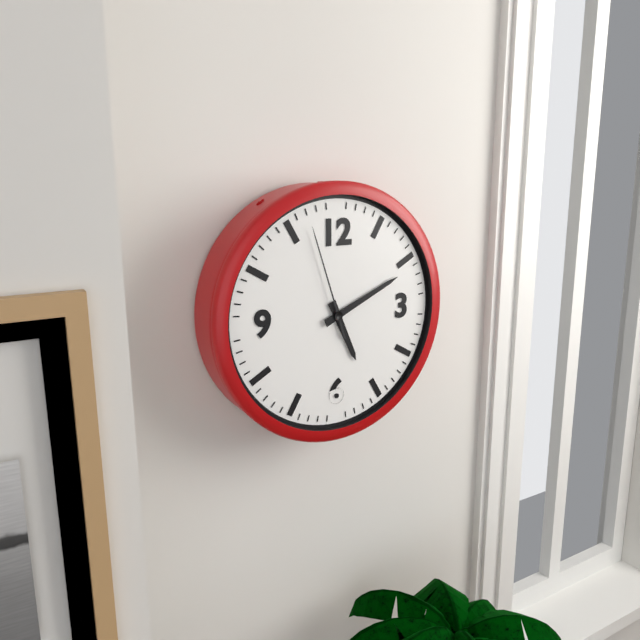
5:11:57
